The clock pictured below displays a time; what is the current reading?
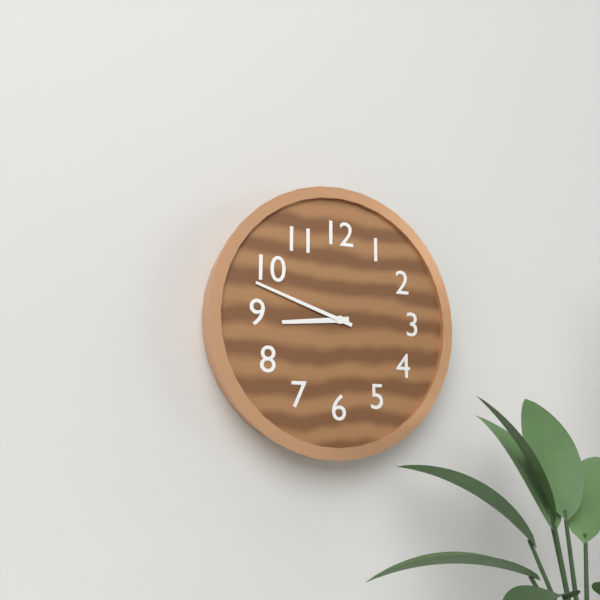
8:48
